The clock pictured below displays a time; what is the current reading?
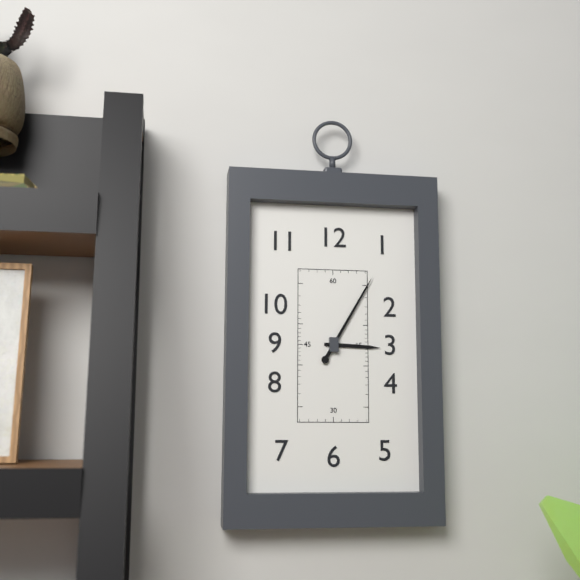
3:05
